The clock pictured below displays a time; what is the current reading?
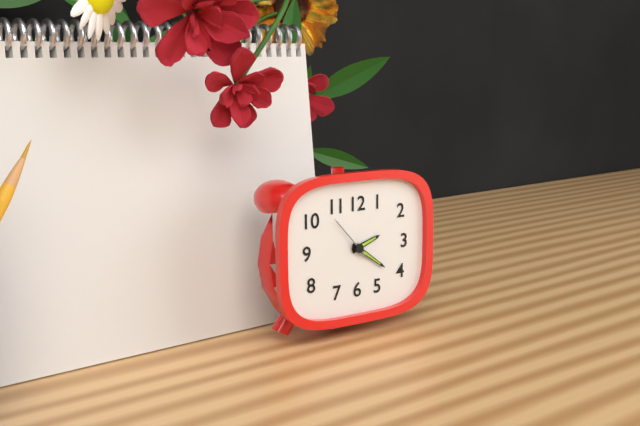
2:21:53
